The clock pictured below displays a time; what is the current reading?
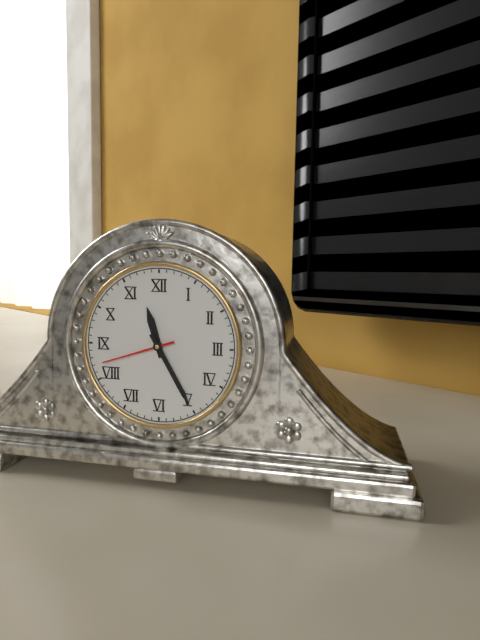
11:25:42
